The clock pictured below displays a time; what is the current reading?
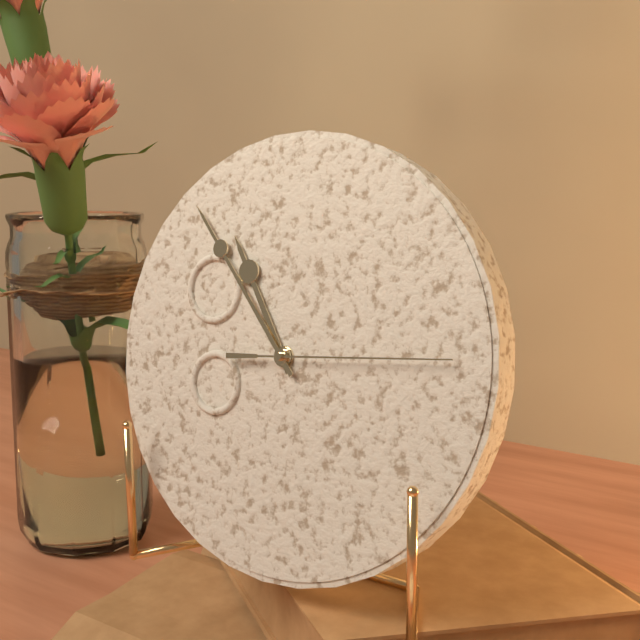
10:53:14
